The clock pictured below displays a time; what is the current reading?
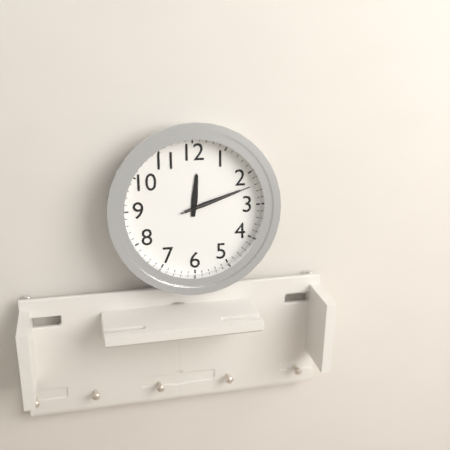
12:12:12
